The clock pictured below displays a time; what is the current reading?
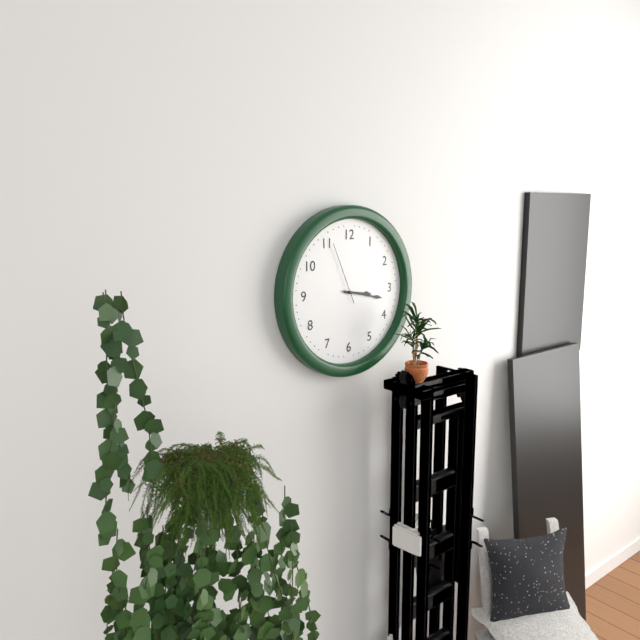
3:17:56
